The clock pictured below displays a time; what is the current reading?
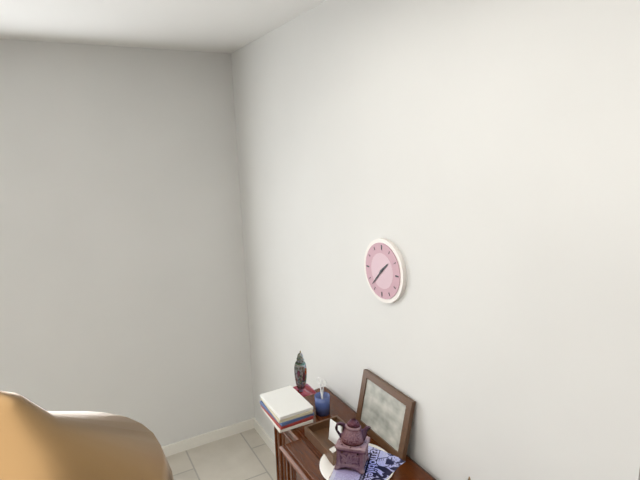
1:37
